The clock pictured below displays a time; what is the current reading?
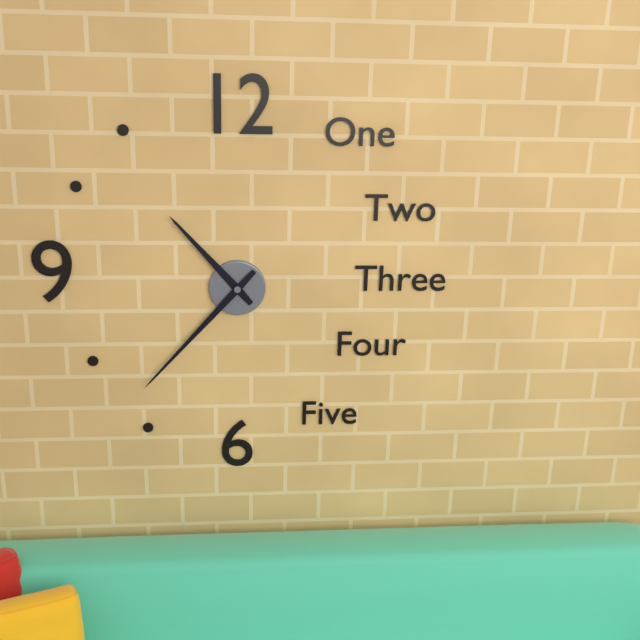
10:37
